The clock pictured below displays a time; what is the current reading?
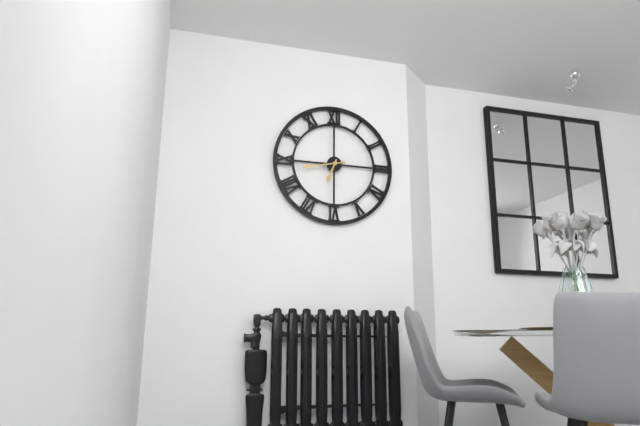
6:43
